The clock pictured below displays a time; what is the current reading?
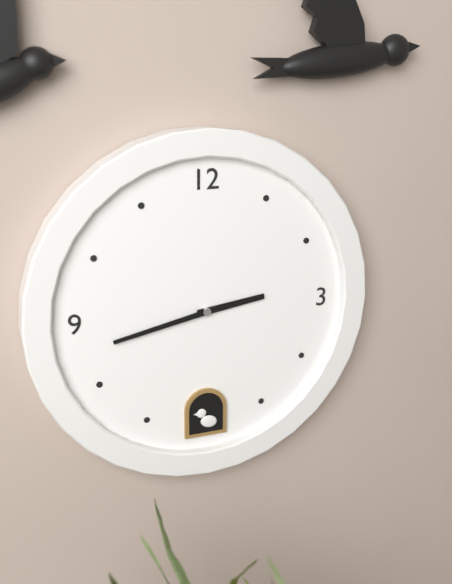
2:43
